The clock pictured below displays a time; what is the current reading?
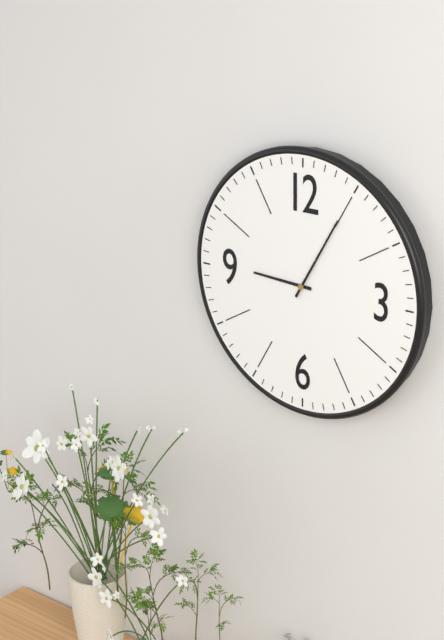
9:05
